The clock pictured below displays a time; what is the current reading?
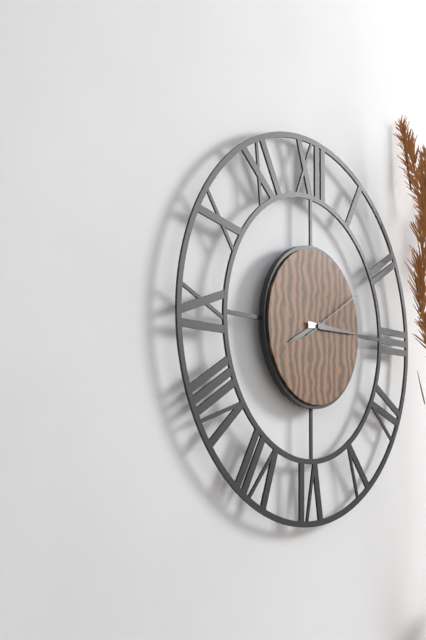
8:15:10
